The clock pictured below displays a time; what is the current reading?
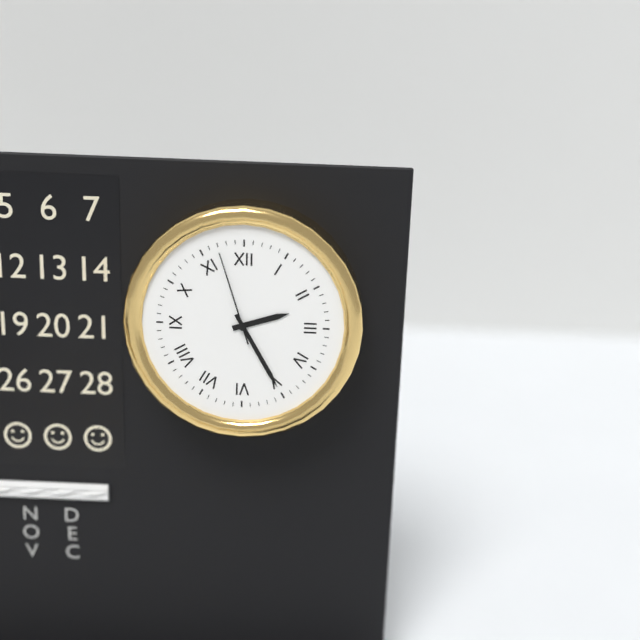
2:25:57
